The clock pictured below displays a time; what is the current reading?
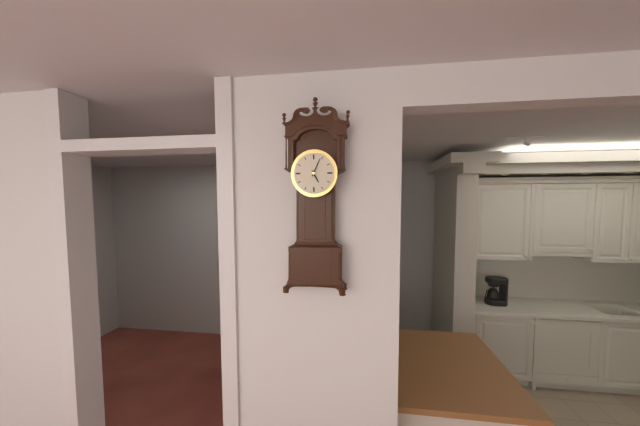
5:04
